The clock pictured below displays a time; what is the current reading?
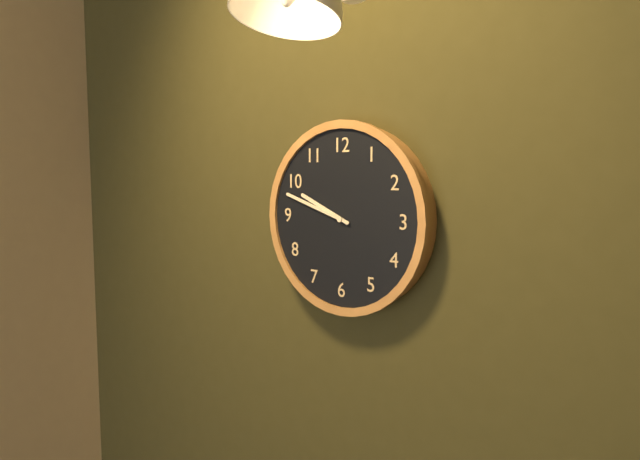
9:48
